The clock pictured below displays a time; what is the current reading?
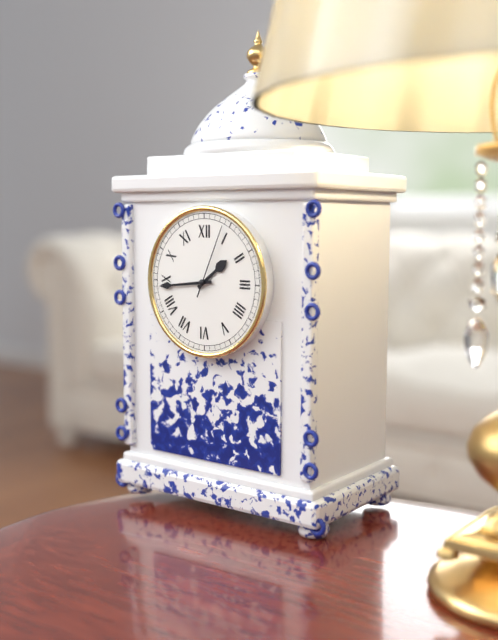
1:44:04
